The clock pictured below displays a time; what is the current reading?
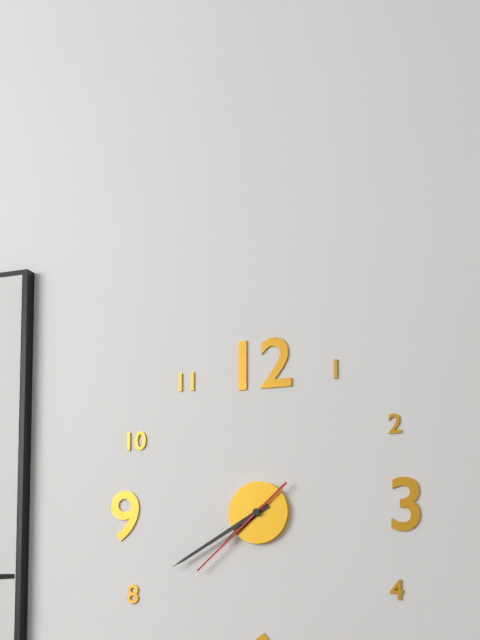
7:40:38
